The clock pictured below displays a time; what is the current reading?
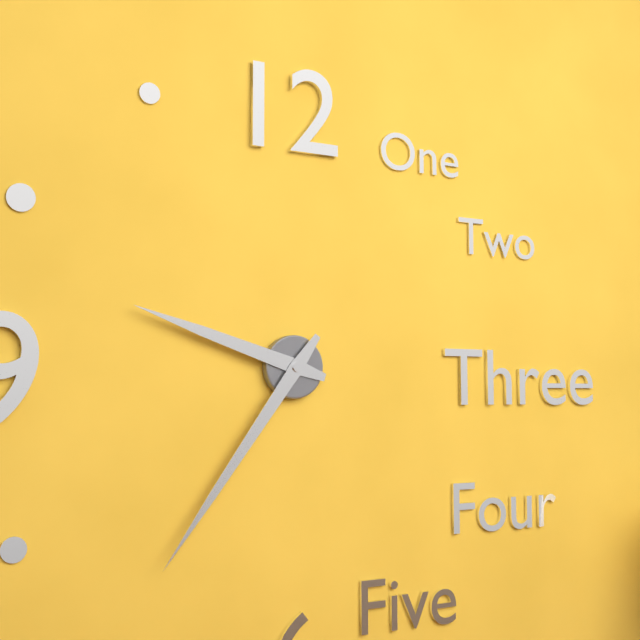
9:36
